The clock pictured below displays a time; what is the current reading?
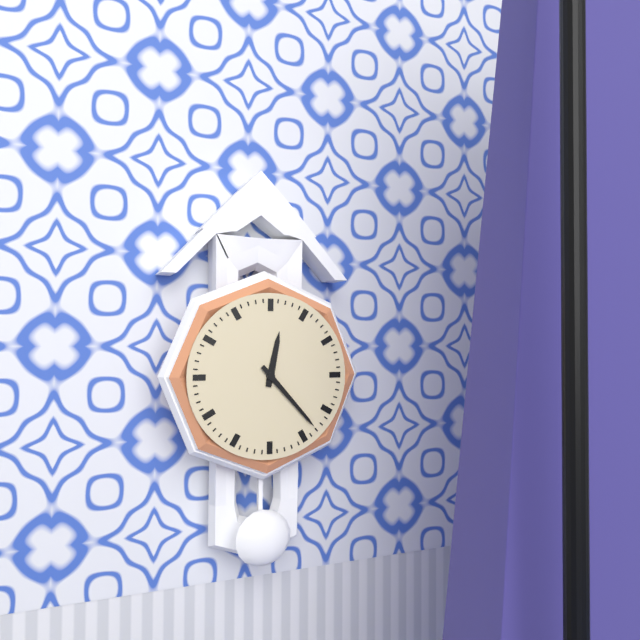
12:23
